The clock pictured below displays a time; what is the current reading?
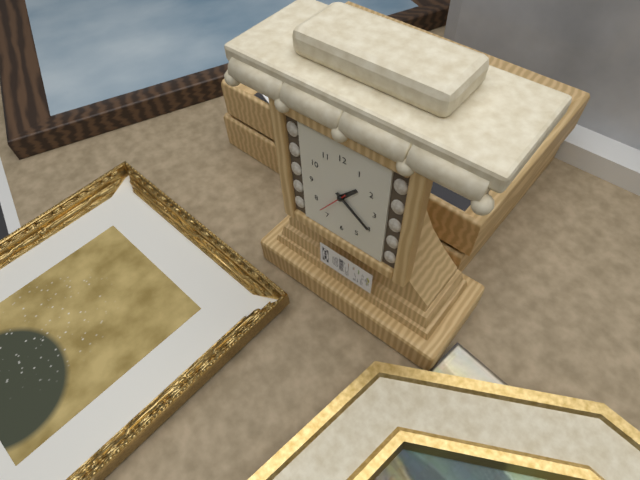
1:21
